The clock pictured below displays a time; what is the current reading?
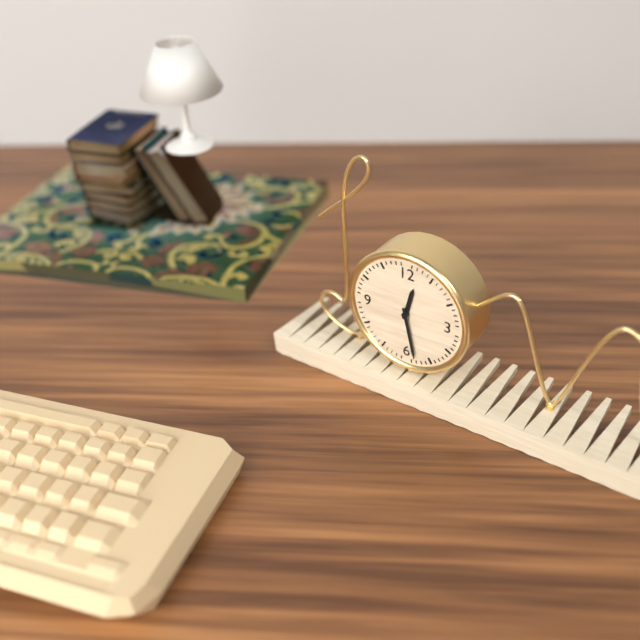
12:28
